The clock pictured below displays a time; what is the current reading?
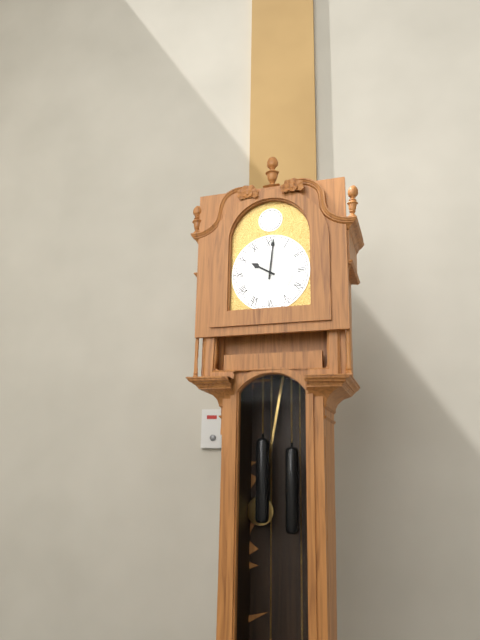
10:01
